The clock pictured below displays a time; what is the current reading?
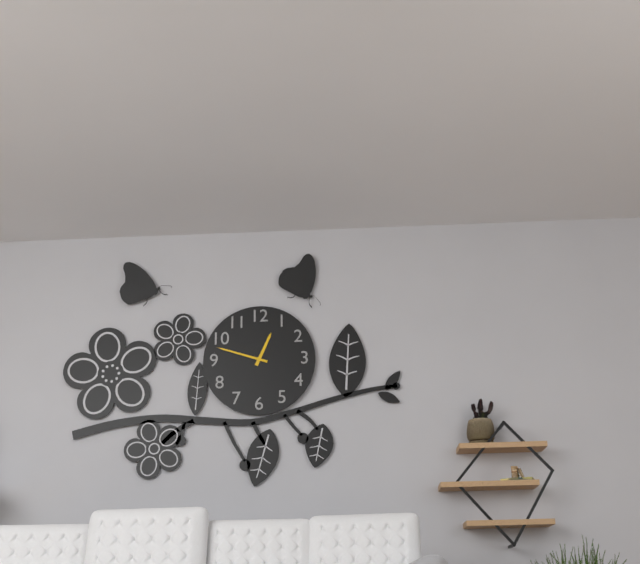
12:48
